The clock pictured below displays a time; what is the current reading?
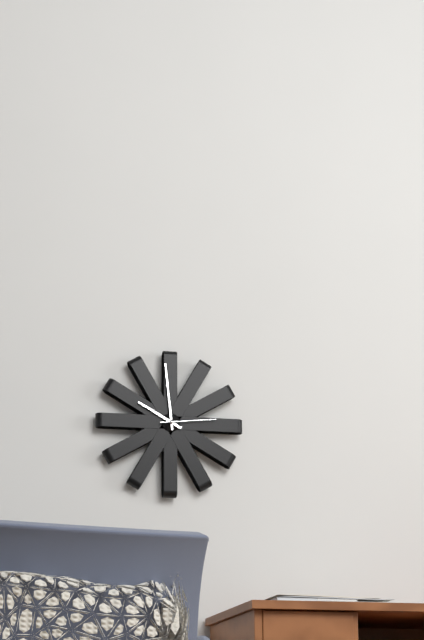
9:59:14
